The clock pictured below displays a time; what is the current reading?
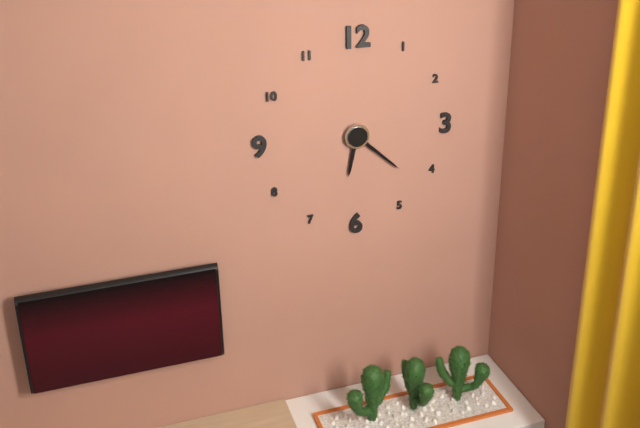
6:22
